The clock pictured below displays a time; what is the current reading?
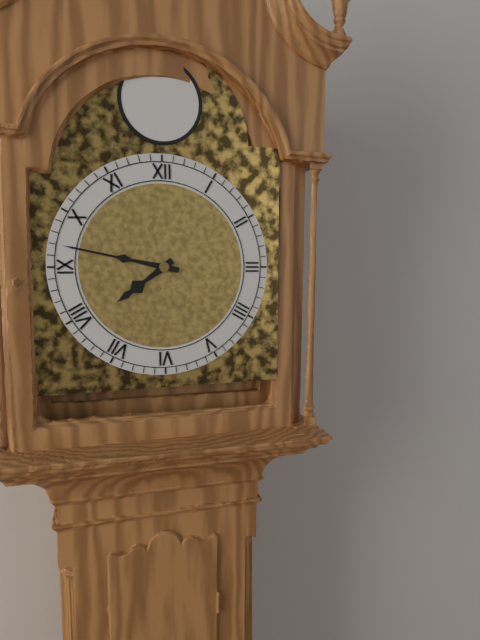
7:47
